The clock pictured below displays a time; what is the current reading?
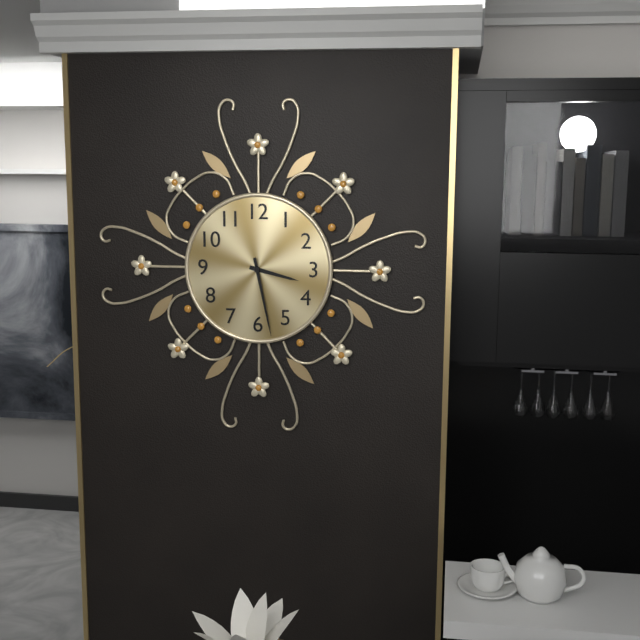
3:28
